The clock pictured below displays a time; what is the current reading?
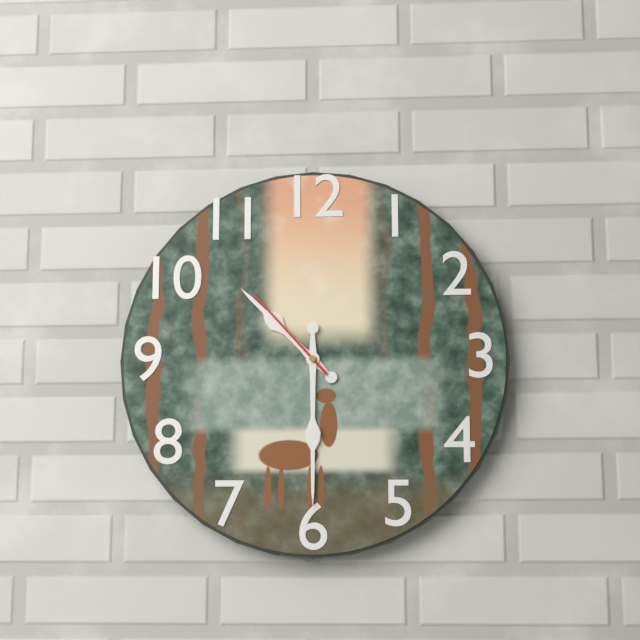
10:30:53
